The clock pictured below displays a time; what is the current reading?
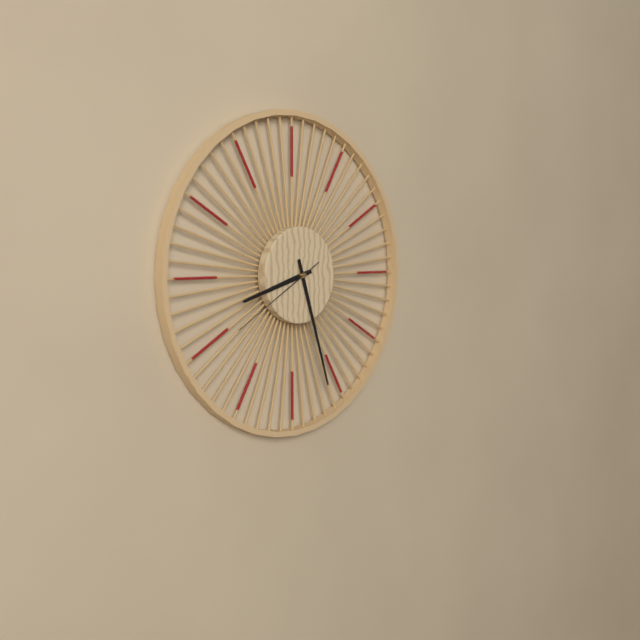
8:27:40
